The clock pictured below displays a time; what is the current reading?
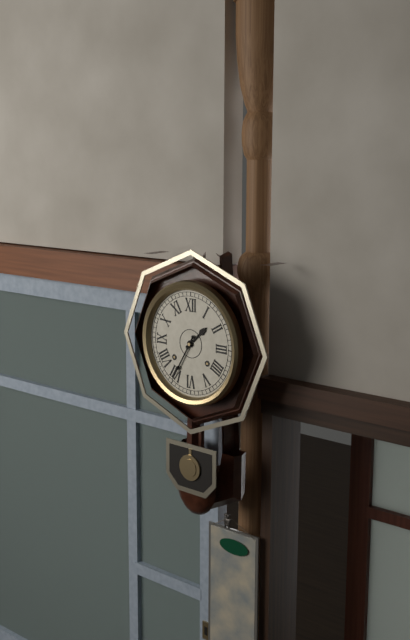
1:35
